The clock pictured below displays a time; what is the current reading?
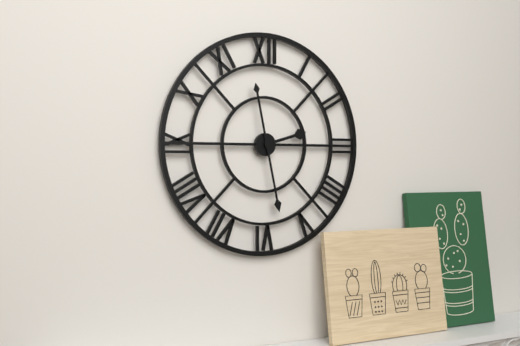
2:28
